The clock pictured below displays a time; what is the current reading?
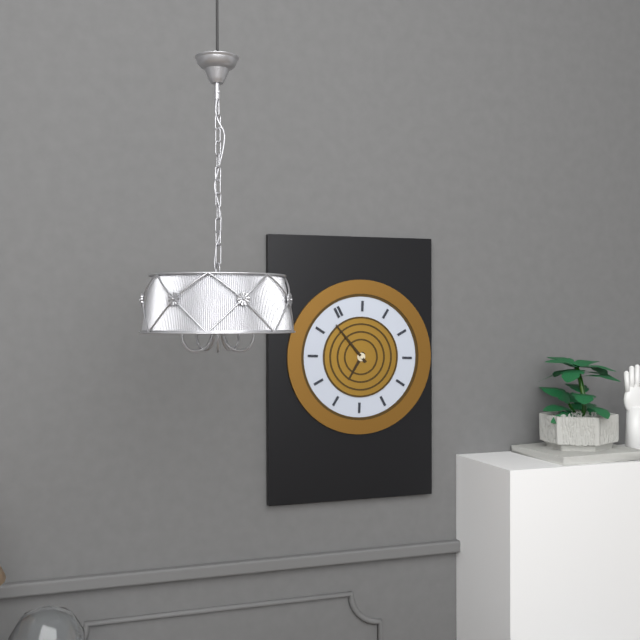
7:58
